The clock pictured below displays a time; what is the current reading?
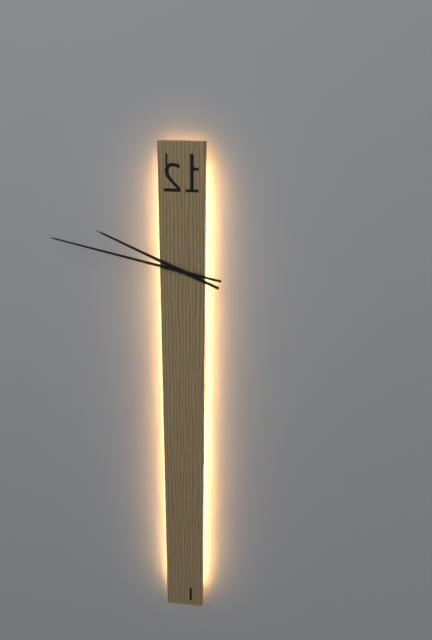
9:47
